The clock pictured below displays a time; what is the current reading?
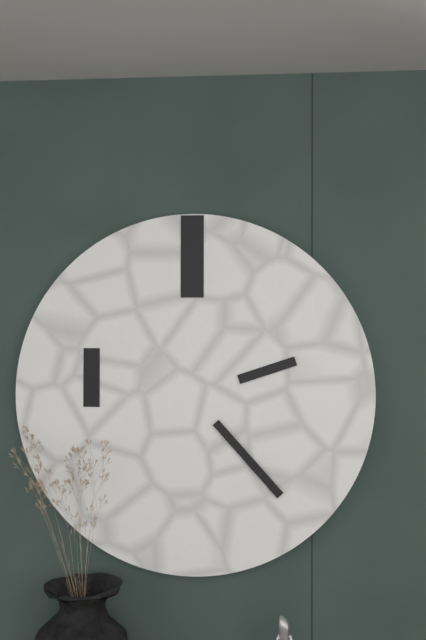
2:23
